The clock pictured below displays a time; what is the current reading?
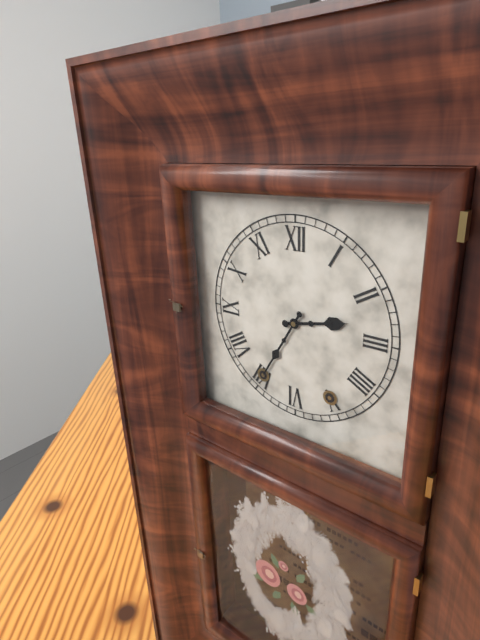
2:35
